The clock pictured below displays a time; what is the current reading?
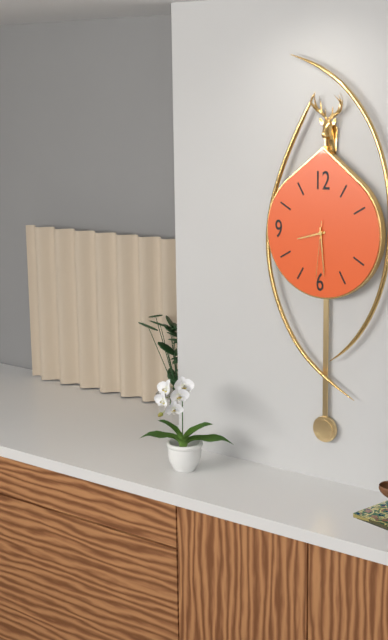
8:29:31
